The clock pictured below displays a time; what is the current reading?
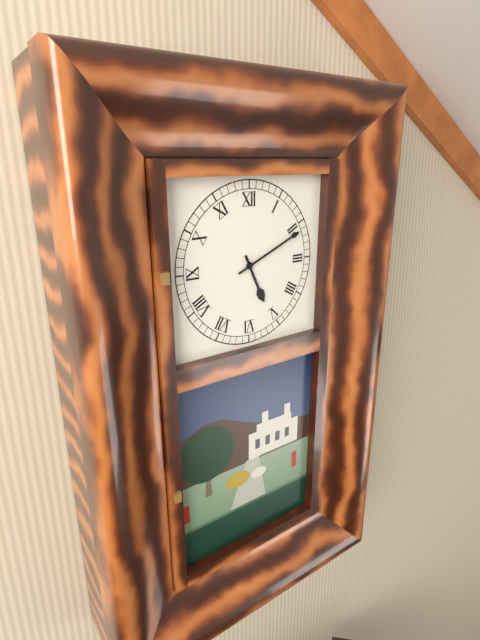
5:11
